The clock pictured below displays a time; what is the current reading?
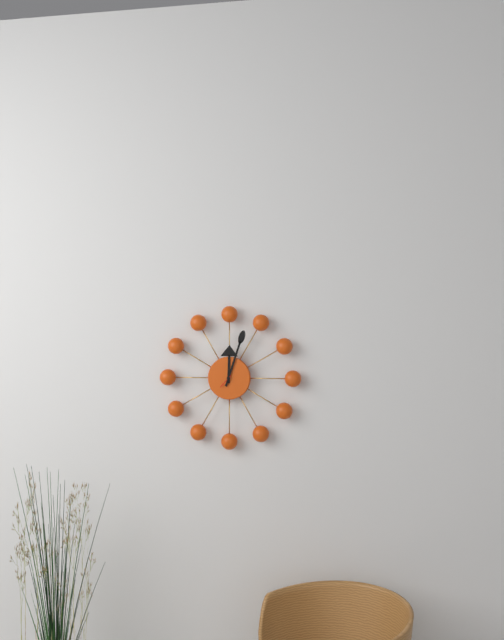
12:03
